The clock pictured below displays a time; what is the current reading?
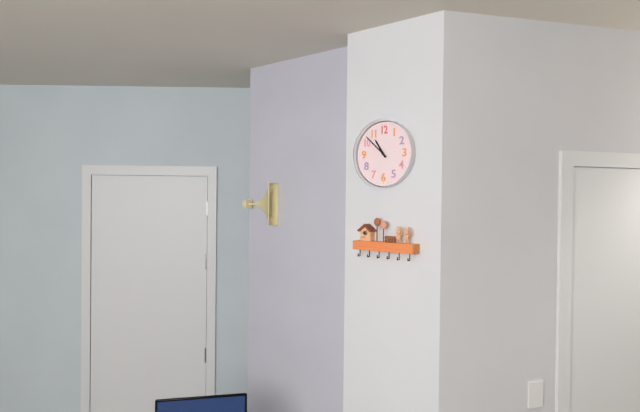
10:52
